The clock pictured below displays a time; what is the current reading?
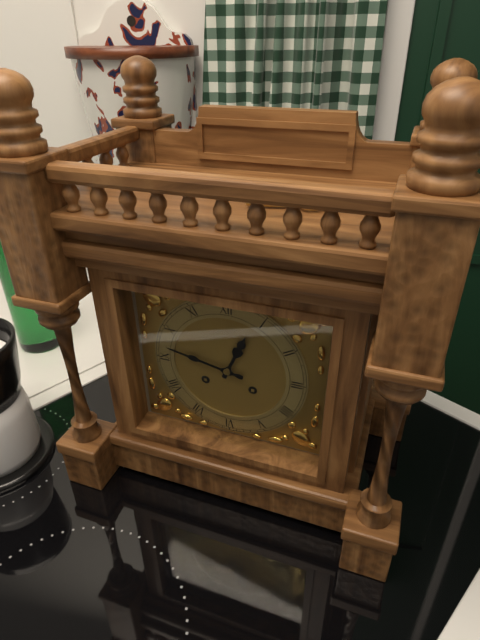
12:47
